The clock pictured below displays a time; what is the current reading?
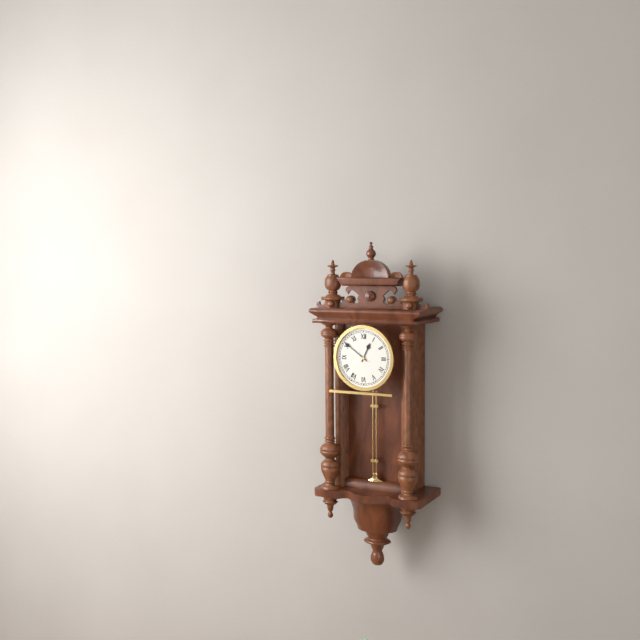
12:51
